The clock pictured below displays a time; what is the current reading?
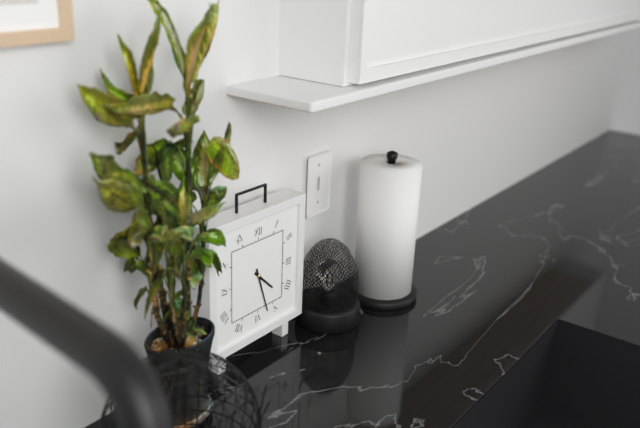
4:27
